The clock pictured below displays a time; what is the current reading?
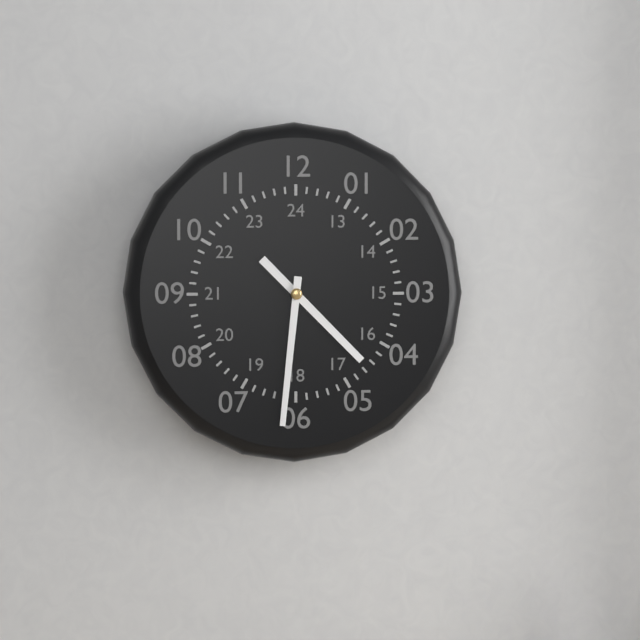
4:31
